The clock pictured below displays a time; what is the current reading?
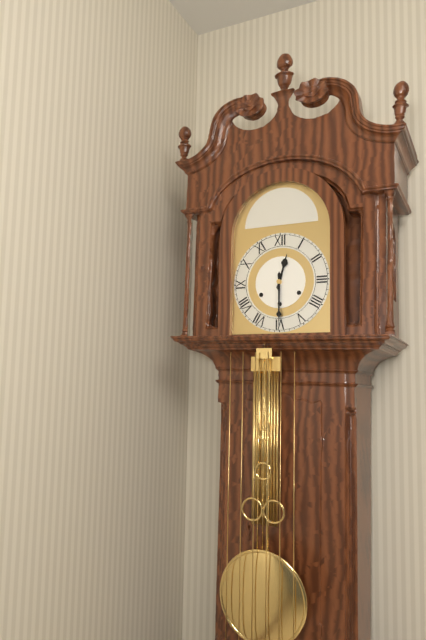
12:30
